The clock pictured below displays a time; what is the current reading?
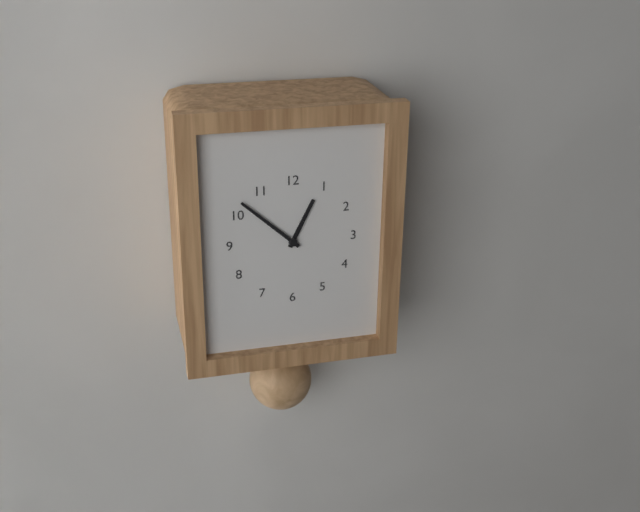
12:52
